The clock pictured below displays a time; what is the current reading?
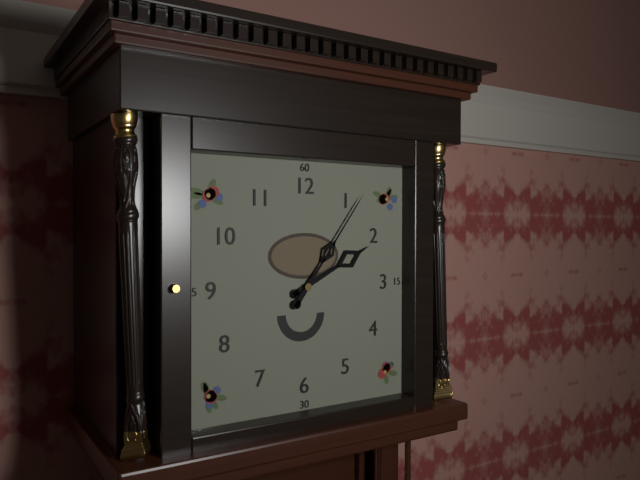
2:06
